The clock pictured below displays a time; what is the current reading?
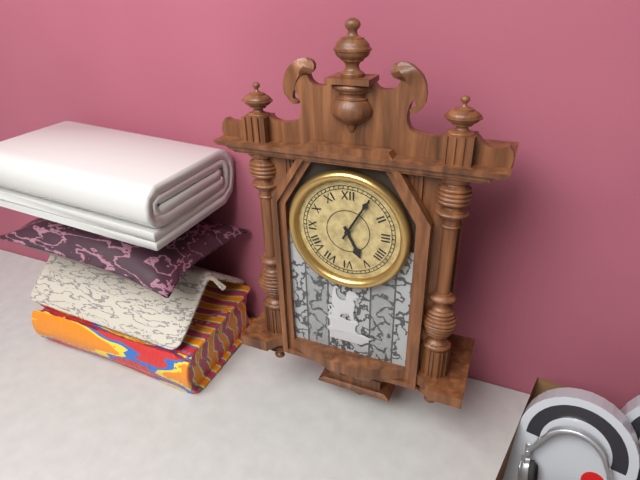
5:05
